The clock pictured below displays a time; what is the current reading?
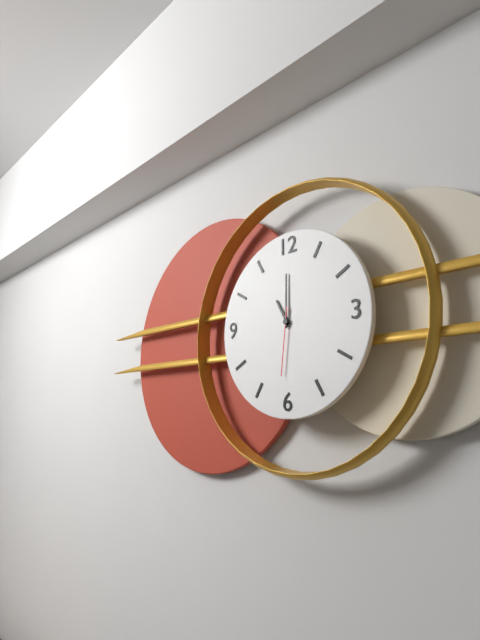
11:00:31
